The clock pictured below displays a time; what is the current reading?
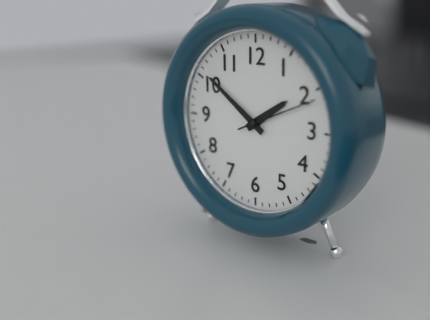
1:51:11
